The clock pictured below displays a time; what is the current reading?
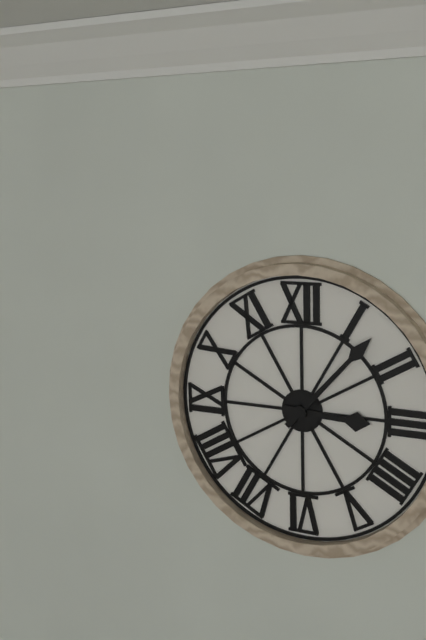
3:07
